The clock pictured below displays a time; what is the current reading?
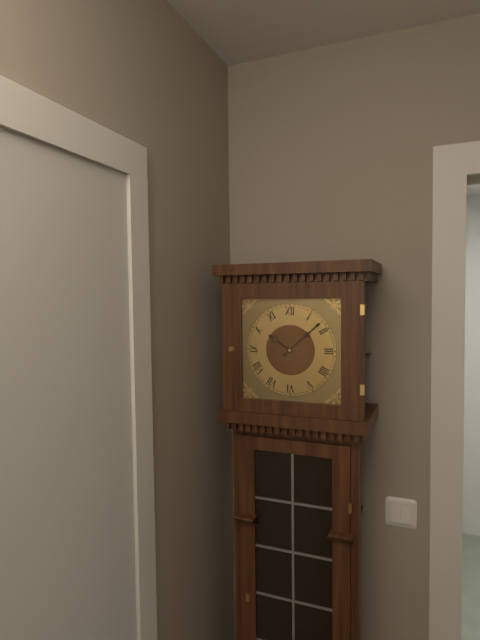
10:08
